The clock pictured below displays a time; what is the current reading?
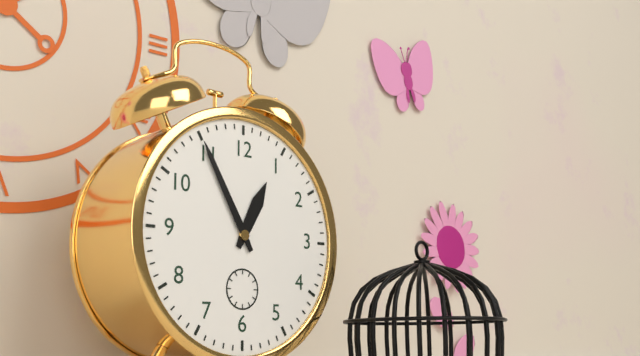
12:55
